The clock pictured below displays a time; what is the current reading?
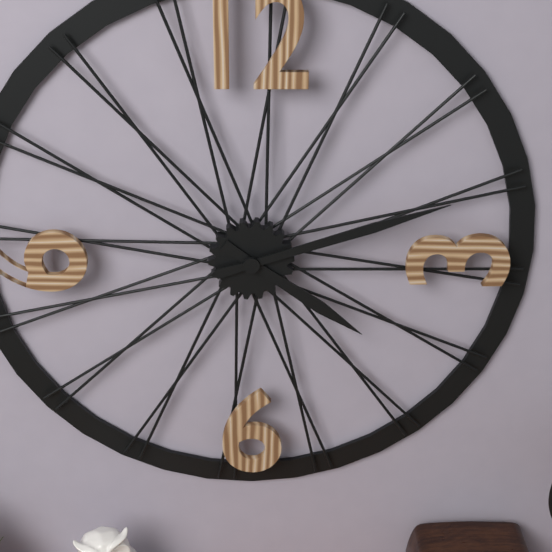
4:12
